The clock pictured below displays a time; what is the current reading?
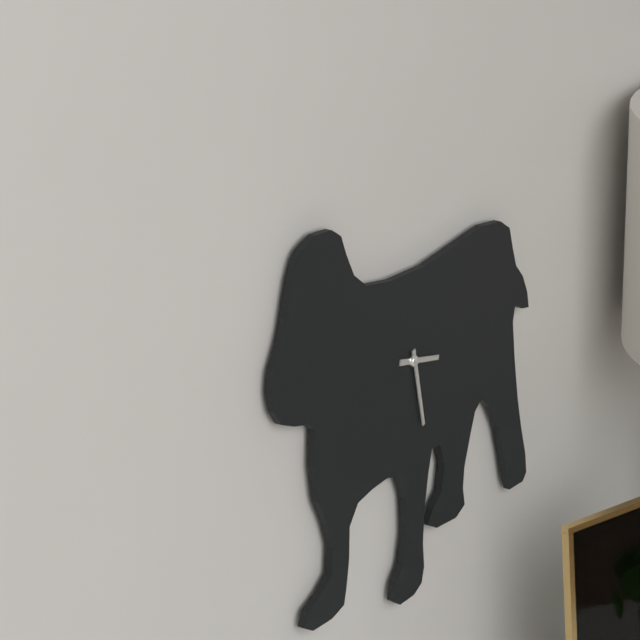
3:28
